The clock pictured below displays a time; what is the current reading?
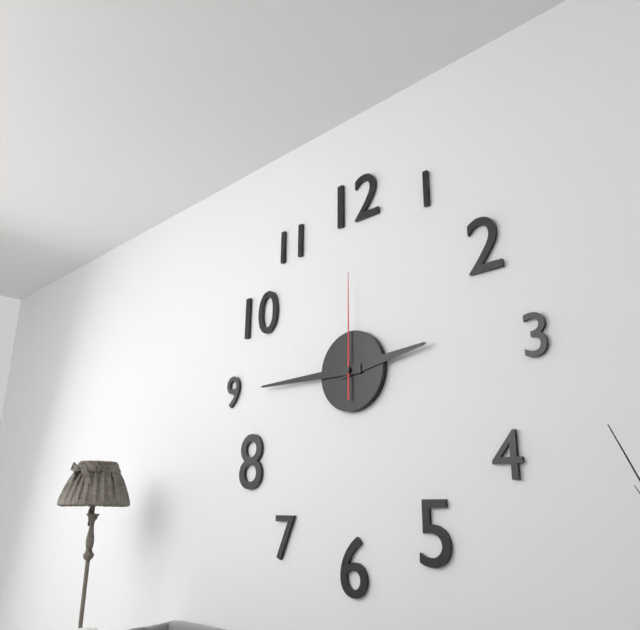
2:45:00
